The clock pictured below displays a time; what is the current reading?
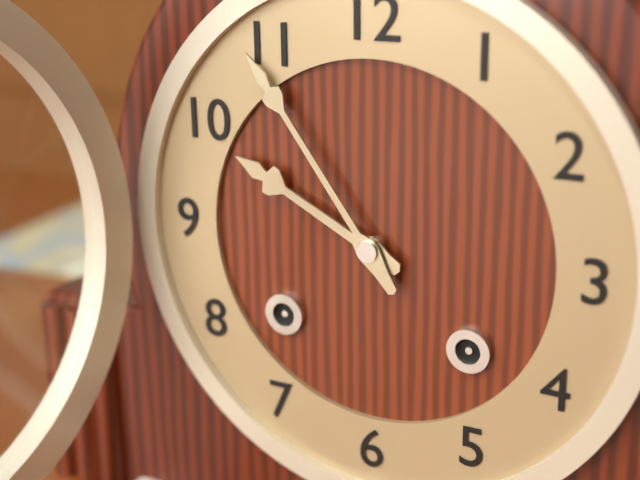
9:54
